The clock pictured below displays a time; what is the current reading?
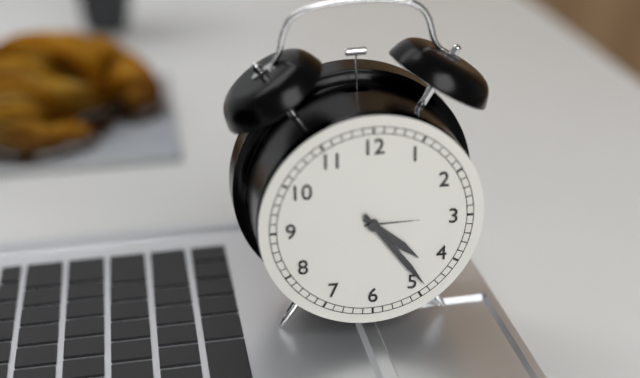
4:24
